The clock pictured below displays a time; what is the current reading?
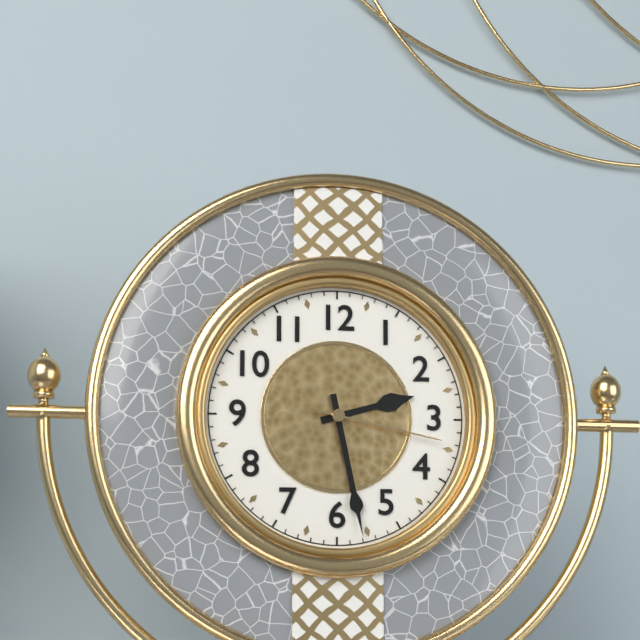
2:28:17
